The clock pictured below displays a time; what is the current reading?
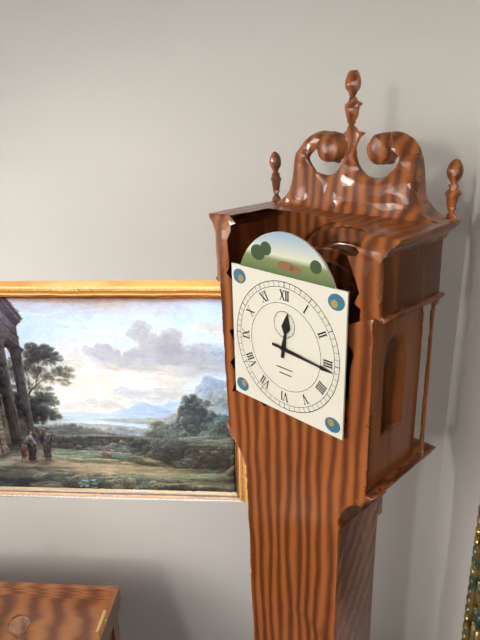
12:16
